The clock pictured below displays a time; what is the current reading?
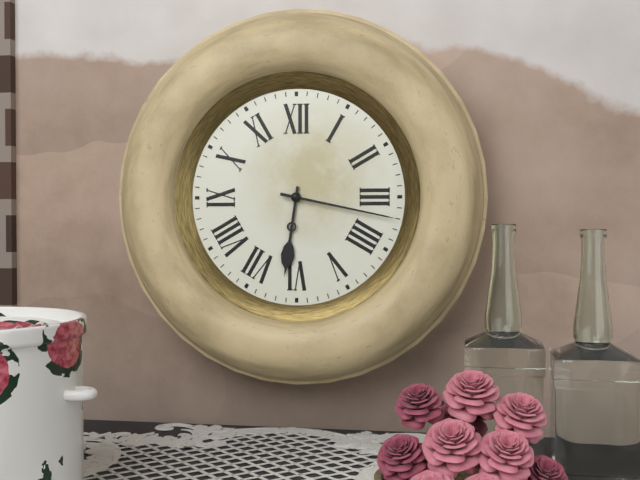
6:17
